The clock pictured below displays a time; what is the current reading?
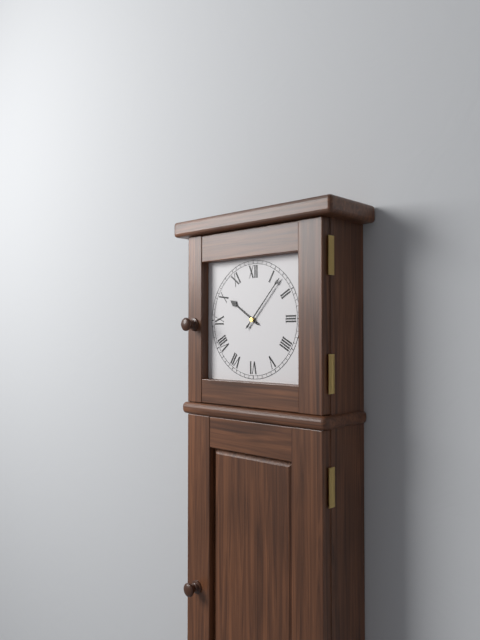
10:07
